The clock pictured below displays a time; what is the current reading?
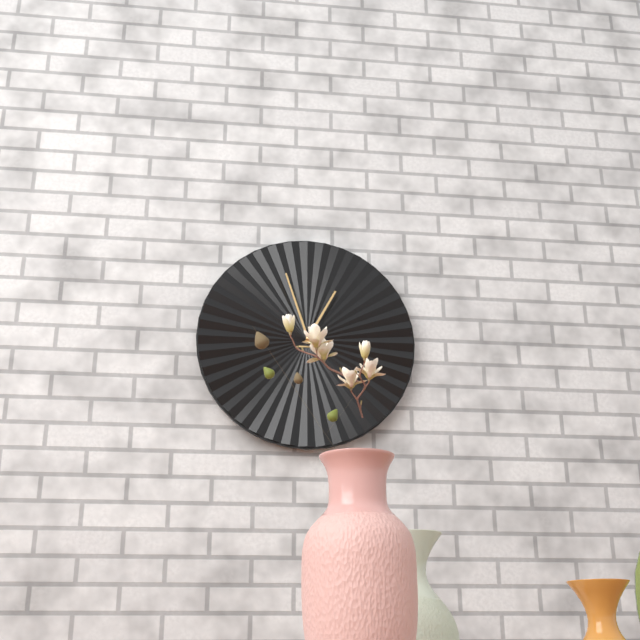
12:57
